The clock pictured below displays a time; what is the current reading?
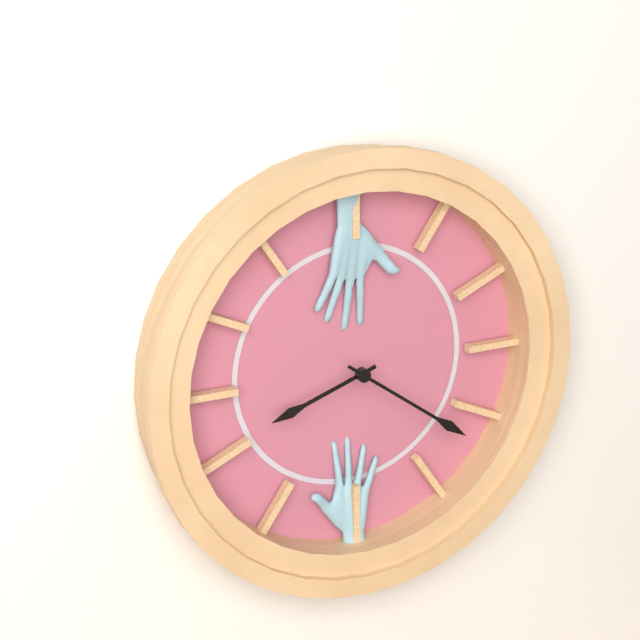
8:21
